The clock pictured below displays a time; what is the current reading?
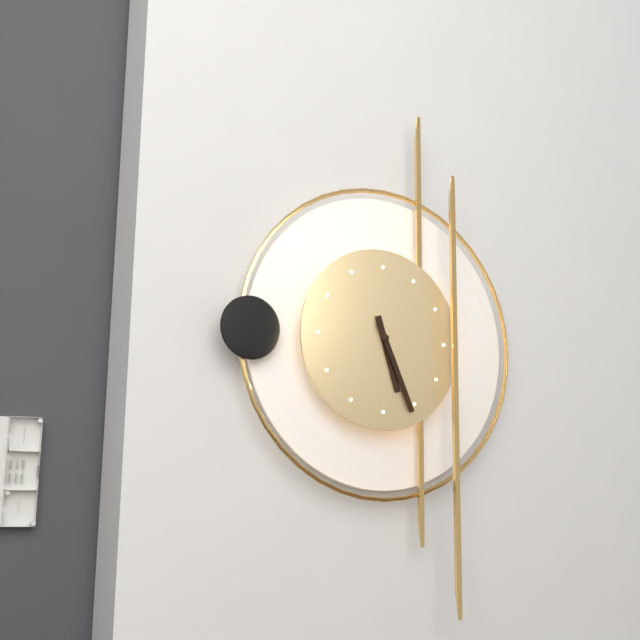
5:26
